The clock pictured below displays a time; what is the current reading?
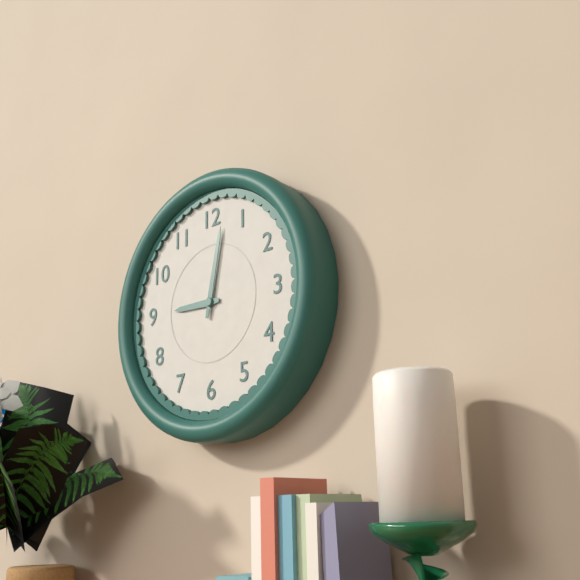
9:02
